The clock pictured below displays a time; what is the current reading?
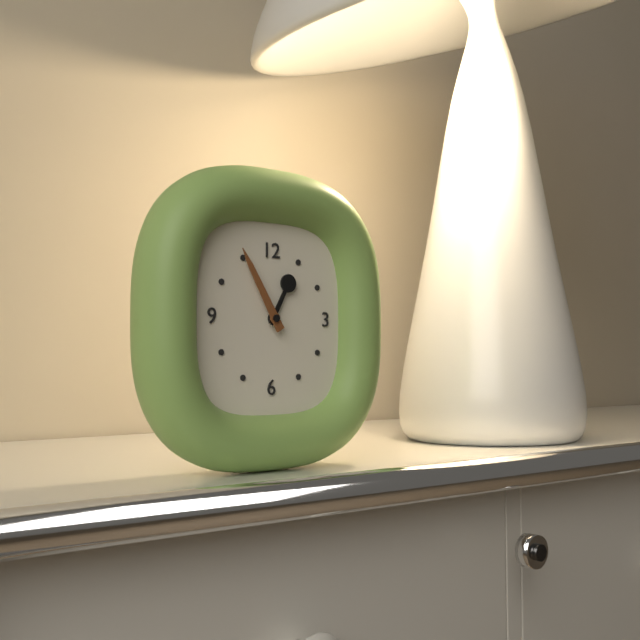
12:55
